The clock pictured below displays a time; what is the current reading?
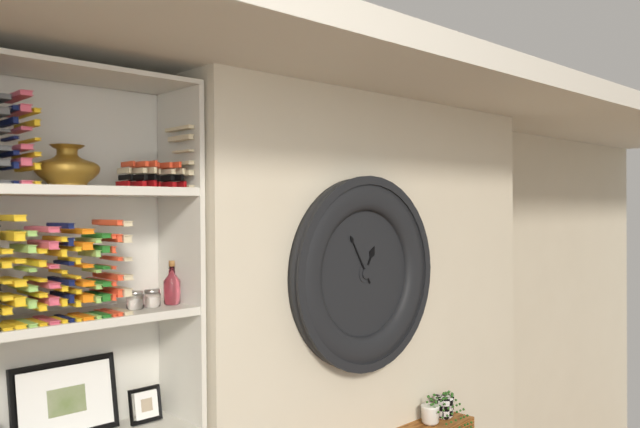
12:55
